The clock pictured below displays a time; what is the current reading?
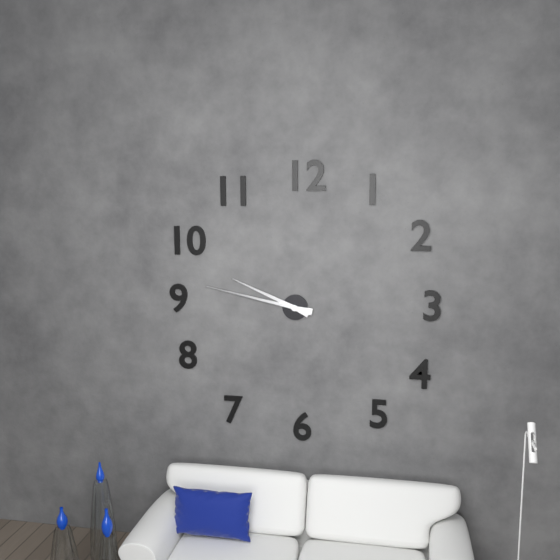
9:47
